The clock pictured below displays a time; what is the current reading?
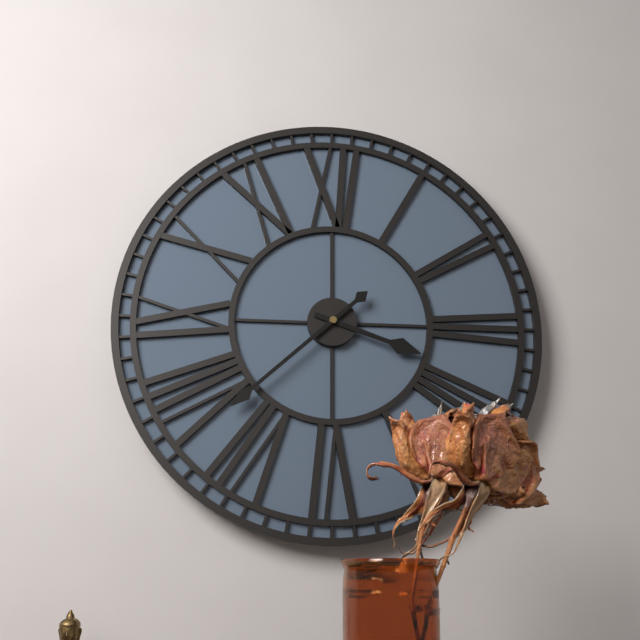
3:38
